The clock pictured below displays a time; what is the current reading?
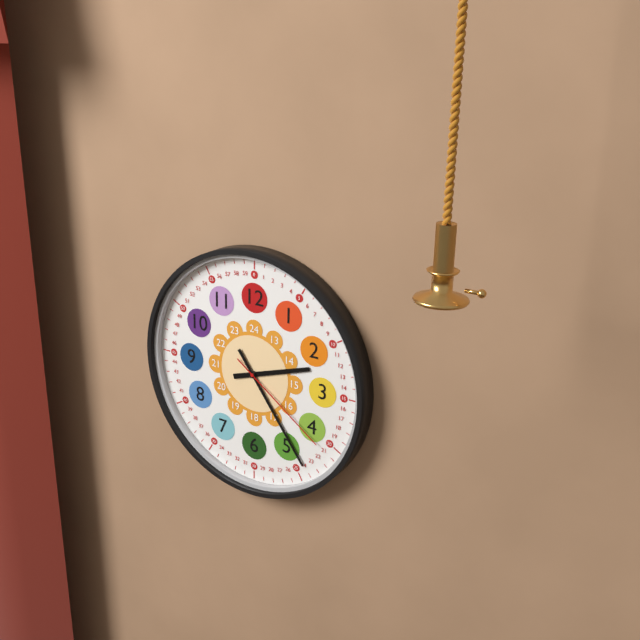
2:24:21
